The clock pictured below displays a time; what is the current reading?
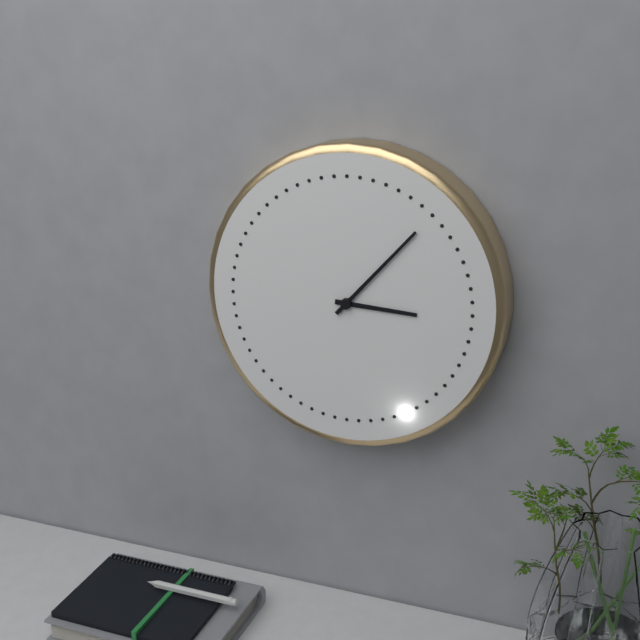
3:07
